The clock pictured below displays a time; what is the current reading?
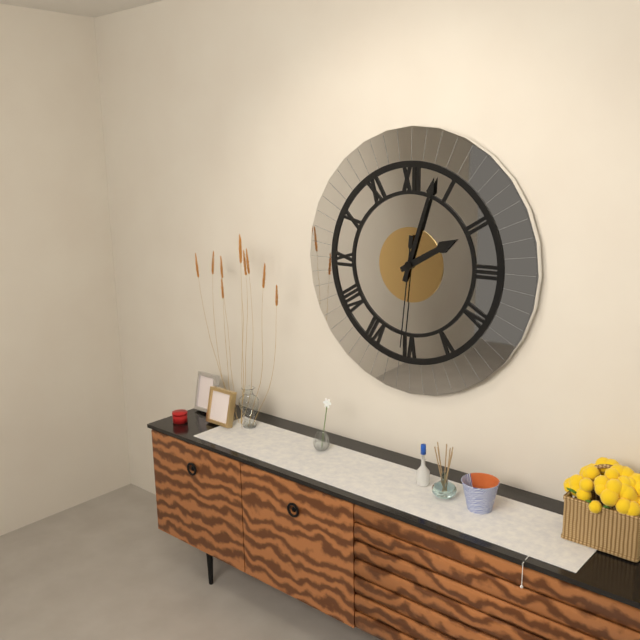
2:03:31
